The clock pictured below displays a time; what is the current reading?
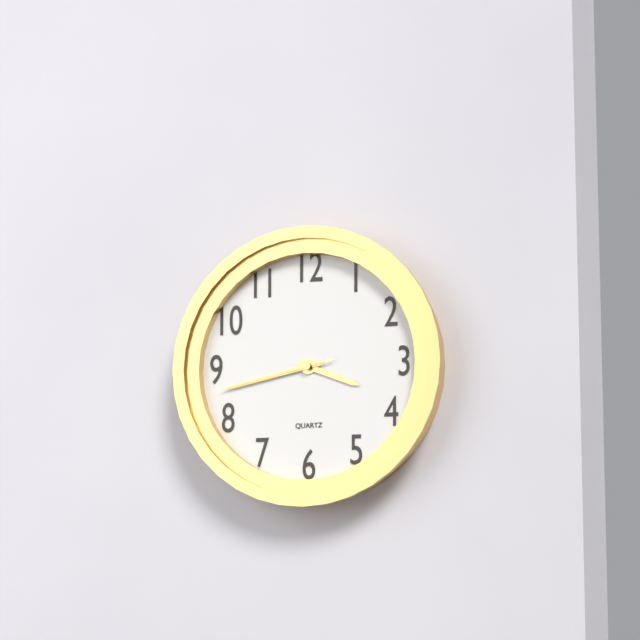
3:43:43
